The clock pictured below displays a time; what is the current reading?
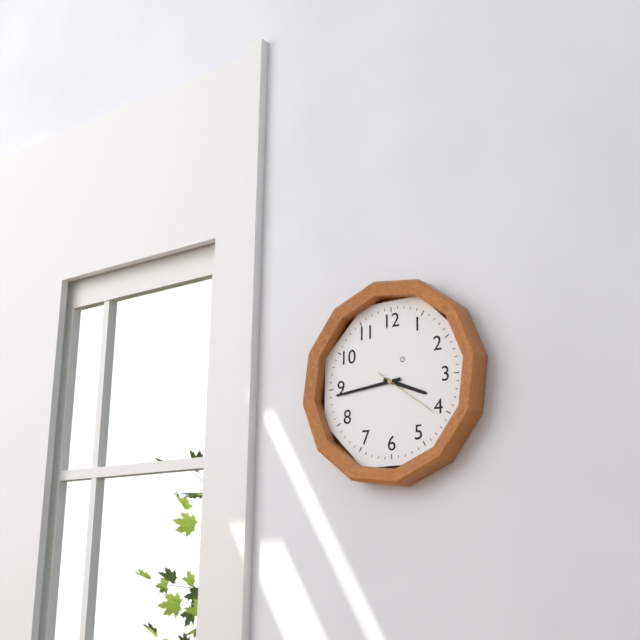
3:44:21
